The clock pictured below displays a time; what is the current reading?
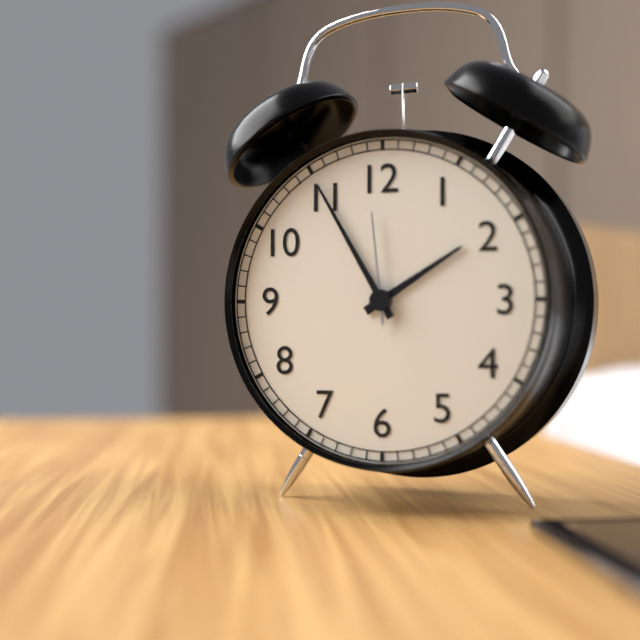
1:55:59
